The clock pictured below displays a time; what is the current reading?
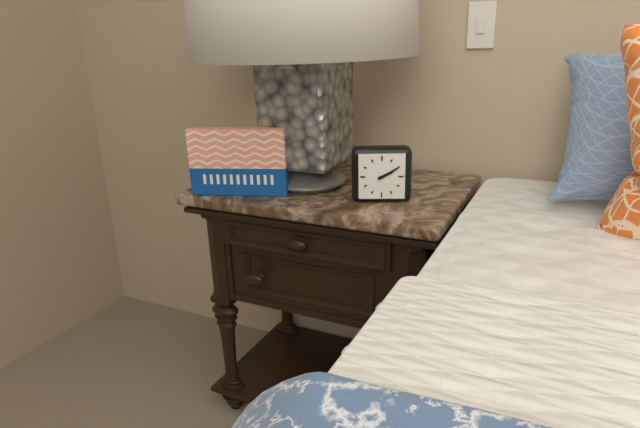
2:10
